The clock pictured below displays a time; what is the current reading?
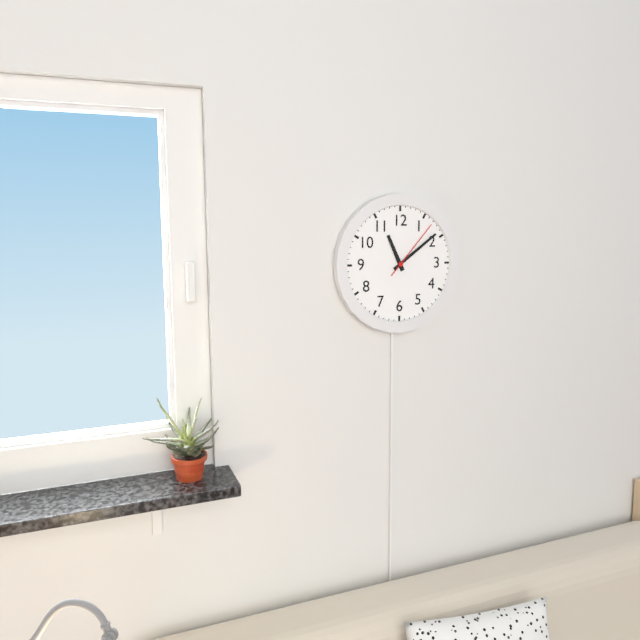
11:09:07
